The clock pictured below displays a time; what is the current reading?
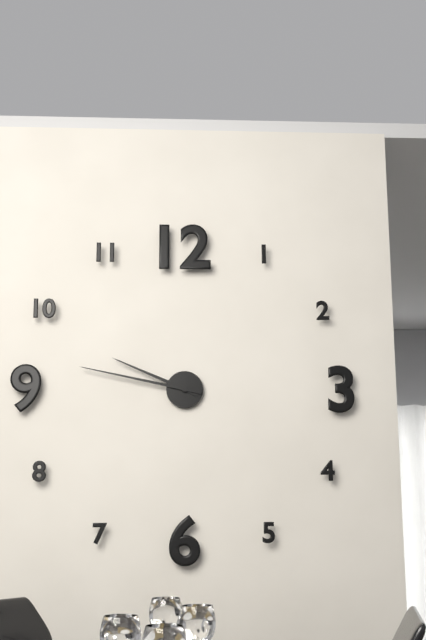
9:47
